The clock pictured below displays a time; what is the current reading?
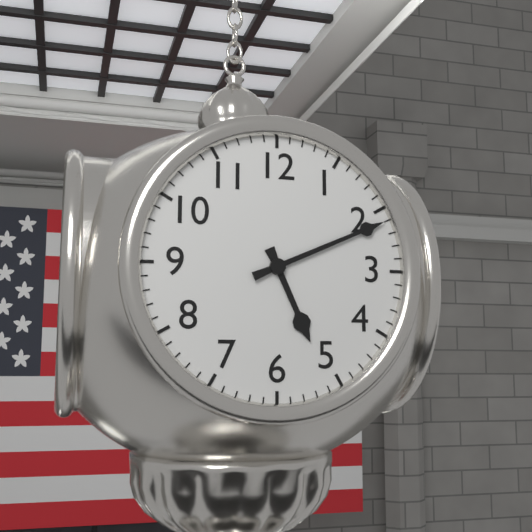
5:11
